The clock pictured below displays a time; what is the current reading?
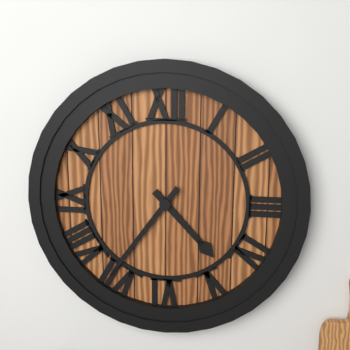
4:36
